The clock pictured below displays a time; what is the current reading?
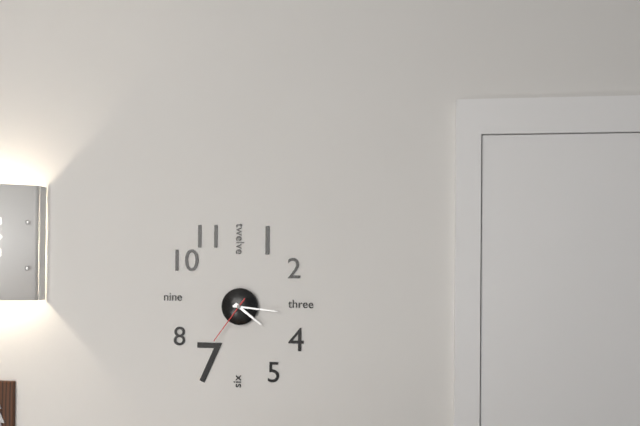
4:16:36
